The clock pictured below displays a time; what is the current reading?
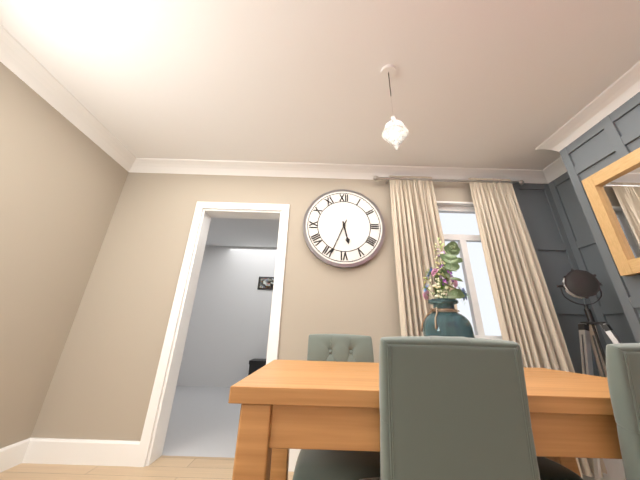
5:34
